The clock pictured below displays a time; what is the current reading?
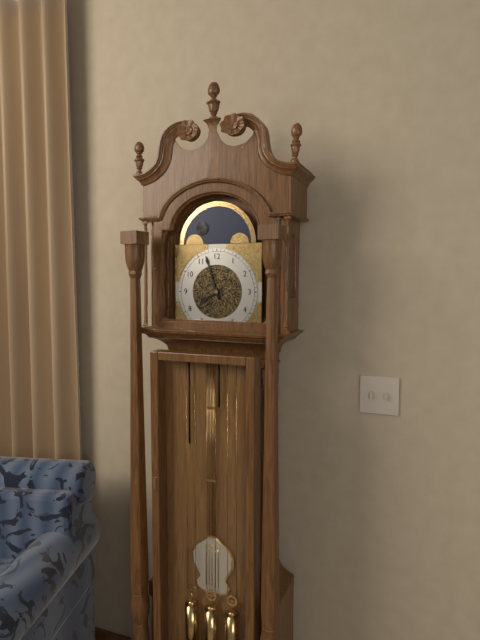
7:57
